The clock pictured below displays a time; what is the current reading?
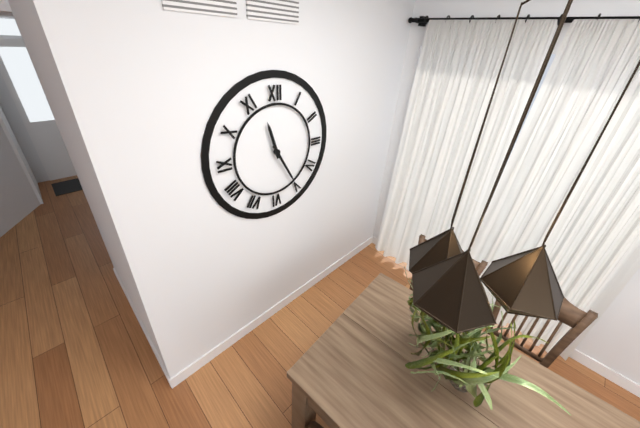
11:25
